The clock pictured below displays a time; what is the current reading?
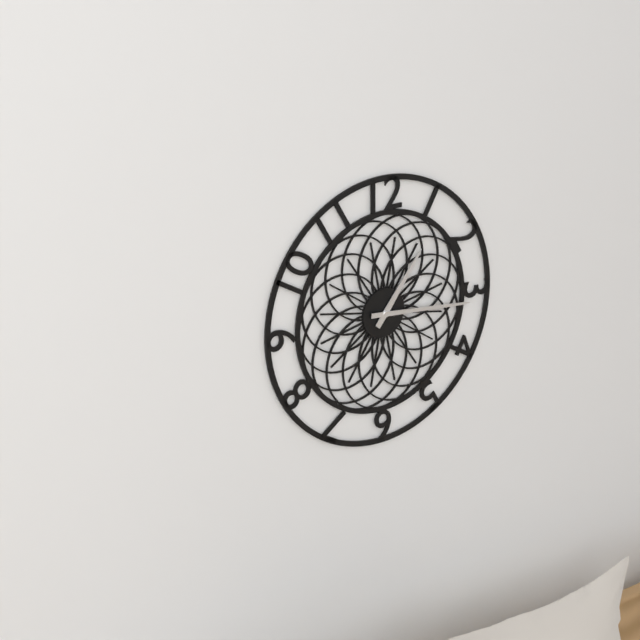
1:16
